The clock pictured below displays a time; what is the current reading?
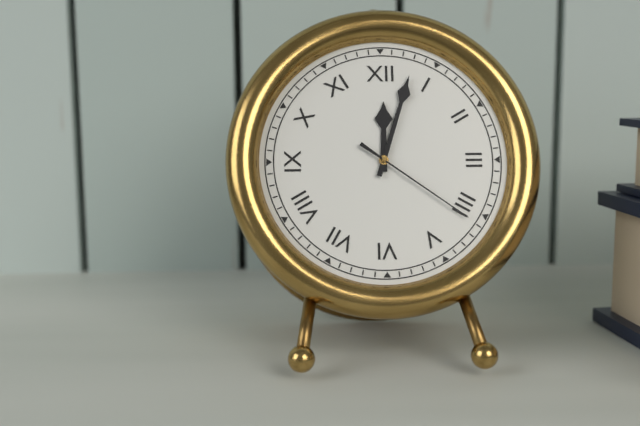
12:03:21
